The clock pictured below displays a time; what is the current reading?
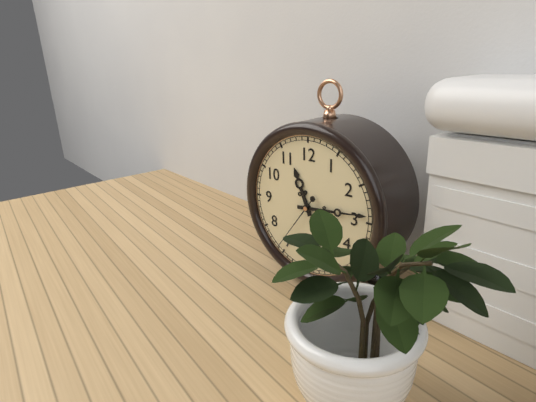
11:14:36
